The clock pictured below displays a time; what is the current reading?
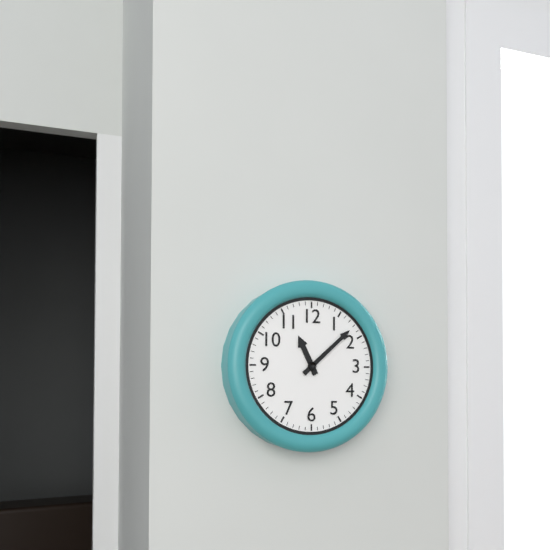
11:08
